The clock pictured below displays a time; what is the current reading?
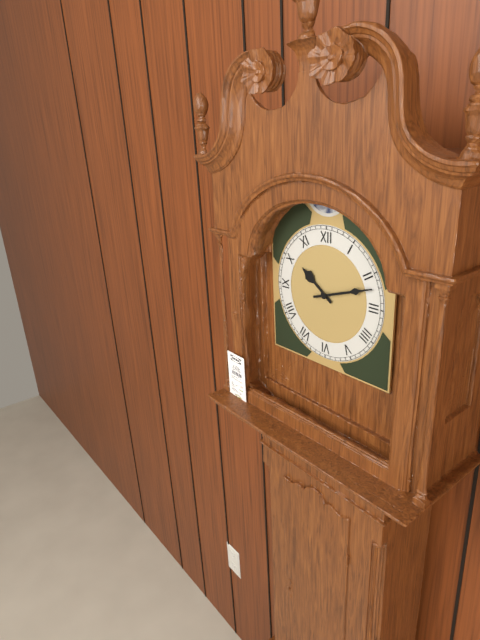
10:12
